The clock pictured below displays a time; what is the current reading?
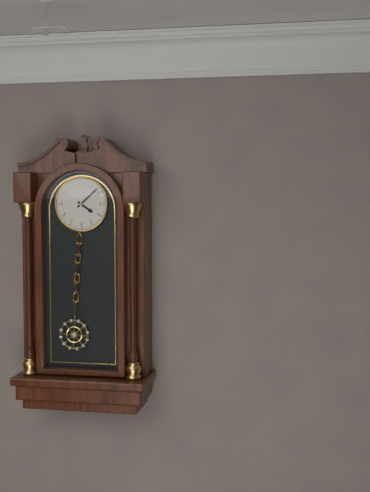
4:08
